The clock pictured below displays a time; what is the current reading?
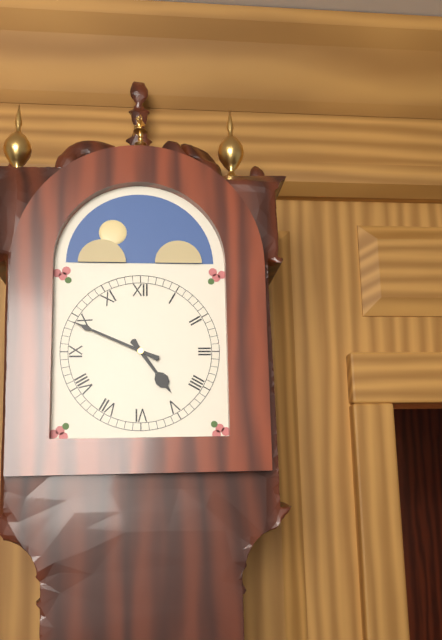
4:49
